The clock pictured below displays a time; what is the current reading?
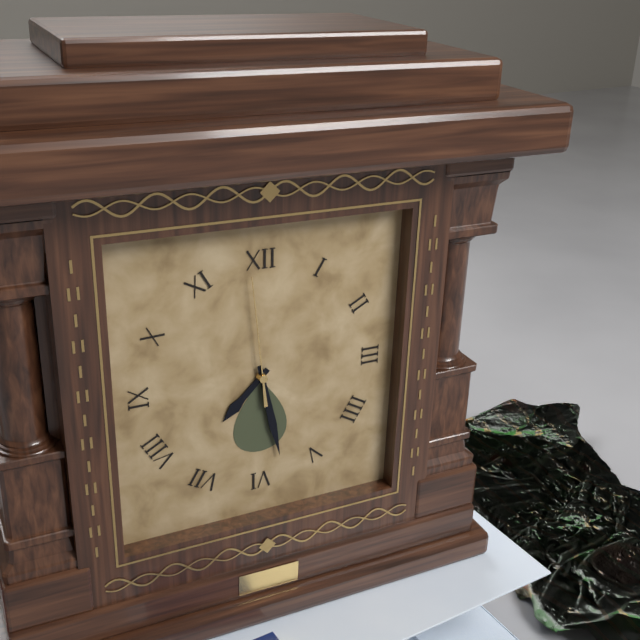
7:28:59
